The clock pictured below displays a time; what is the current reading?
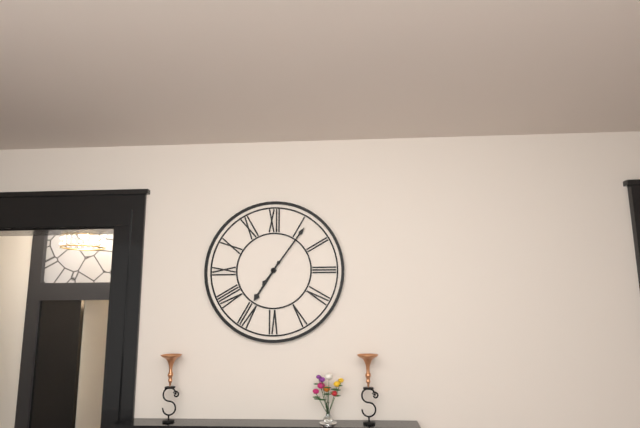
7:06
